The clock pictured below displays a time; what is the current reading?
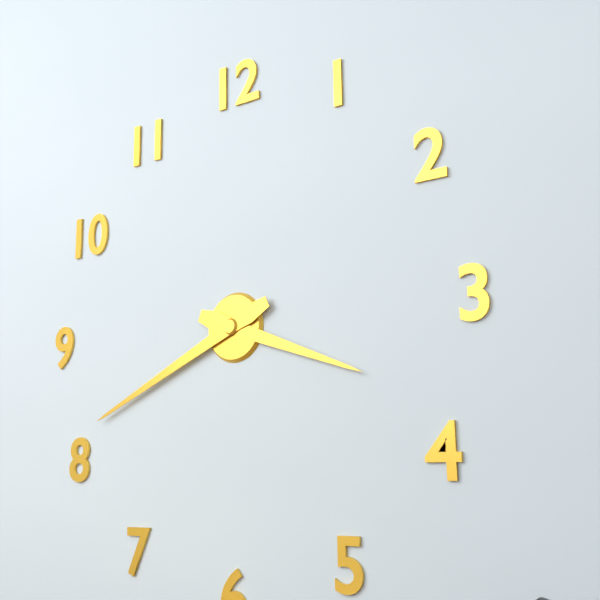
3:41
